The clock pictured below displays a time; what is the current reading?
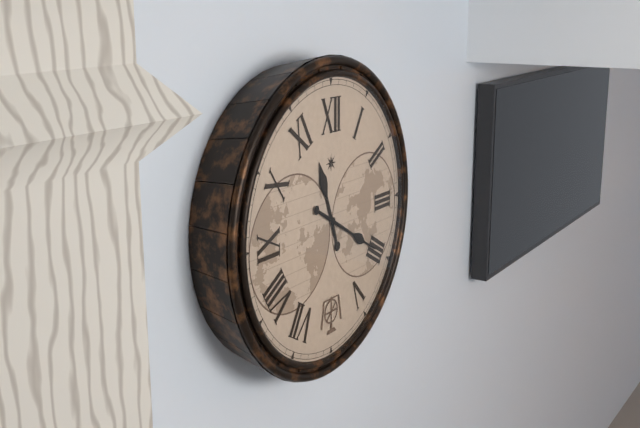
11:20
